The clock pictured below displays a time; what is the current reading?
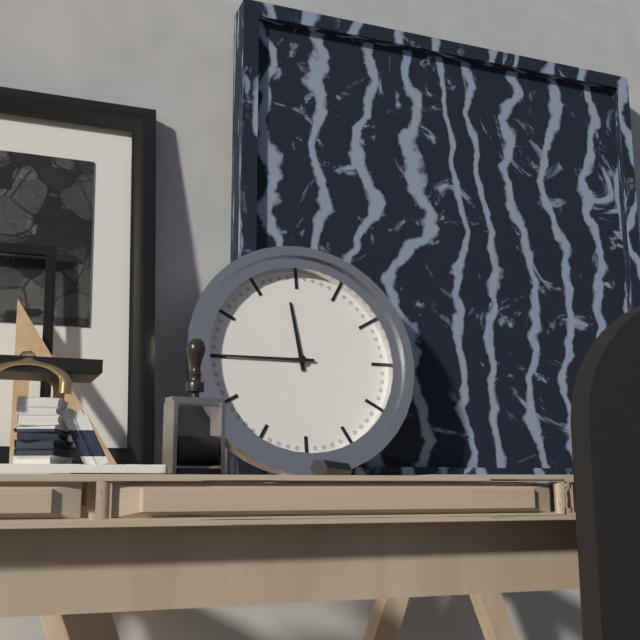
11:45
